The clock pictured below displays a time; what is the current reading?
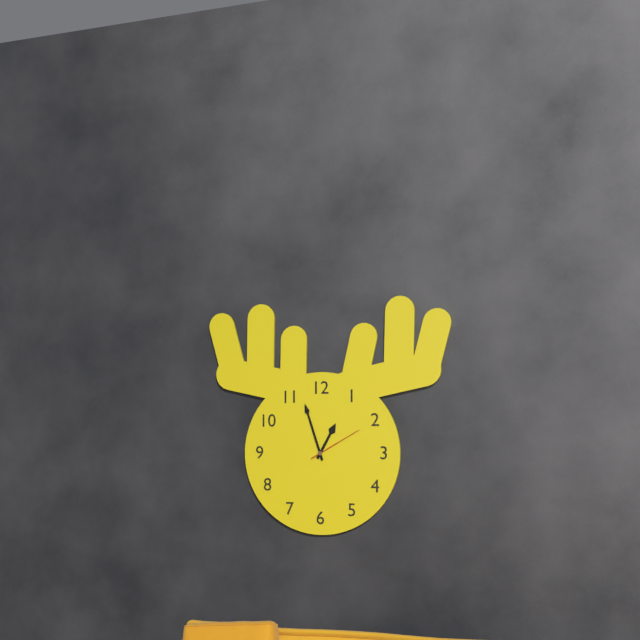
12:57:10
